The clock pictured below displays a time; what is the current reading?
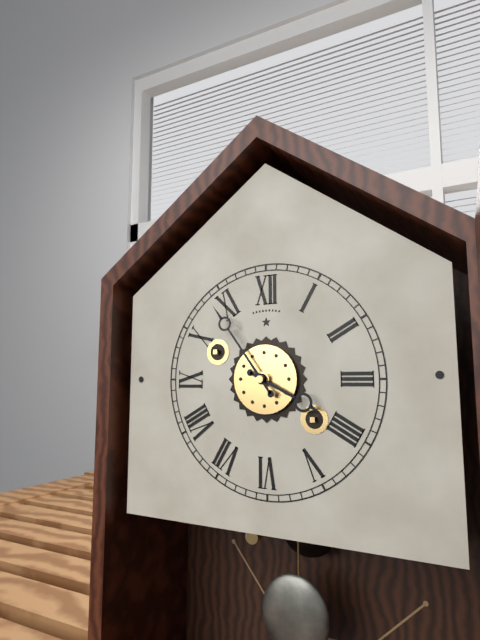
3:54
